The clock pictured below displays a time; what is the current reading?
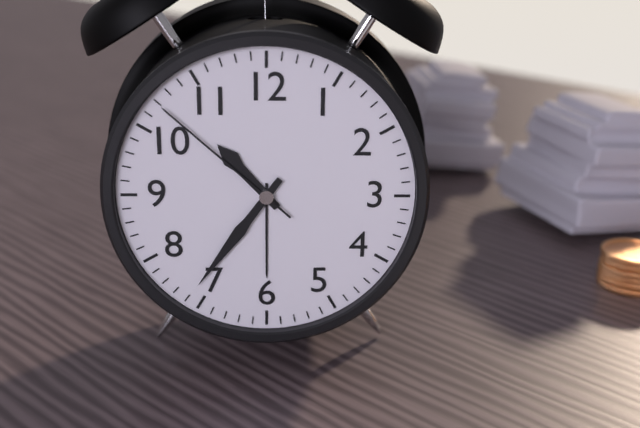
10:36:52
